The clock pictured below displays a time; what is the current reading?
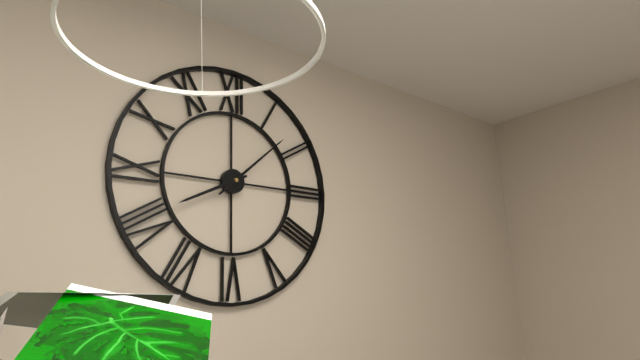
8:08
